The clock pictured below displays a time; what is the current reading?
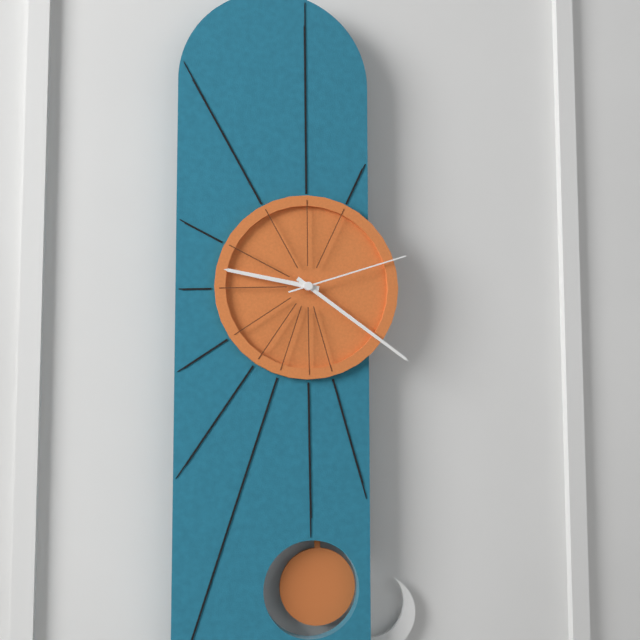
9:21:12
